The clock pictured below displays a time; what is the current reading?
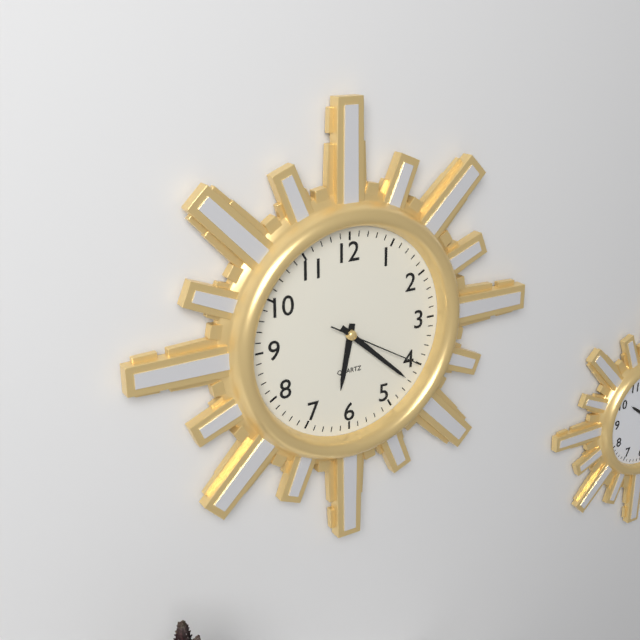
6:22:20
